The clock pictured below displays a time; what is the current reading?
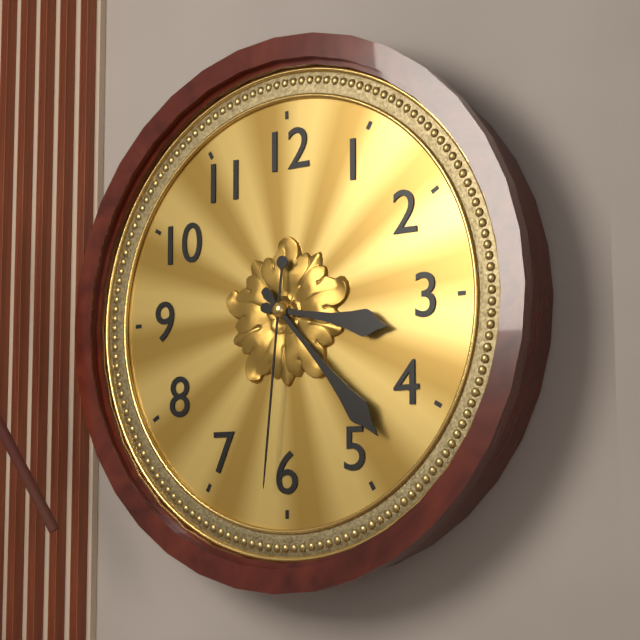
3:23:31
